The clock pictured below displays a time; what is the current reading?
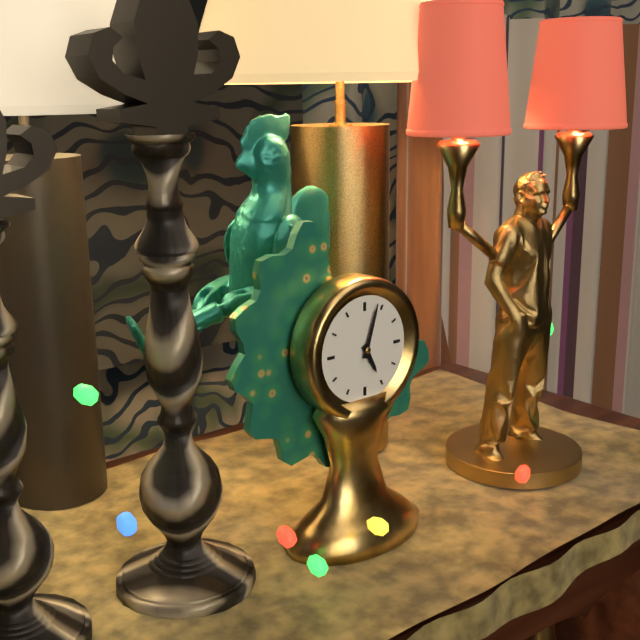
5:03
